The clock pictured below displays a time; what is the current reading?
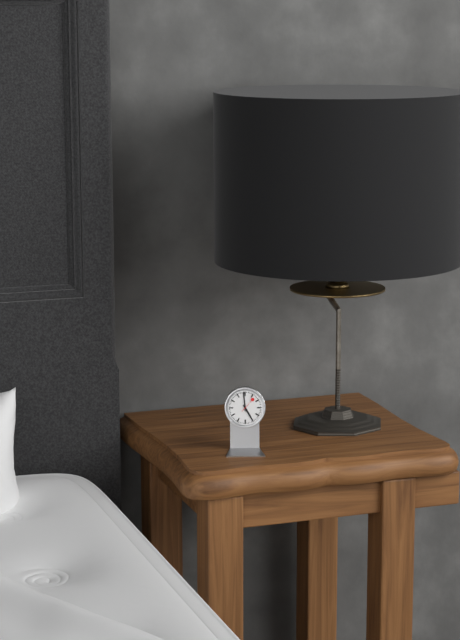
4:59
